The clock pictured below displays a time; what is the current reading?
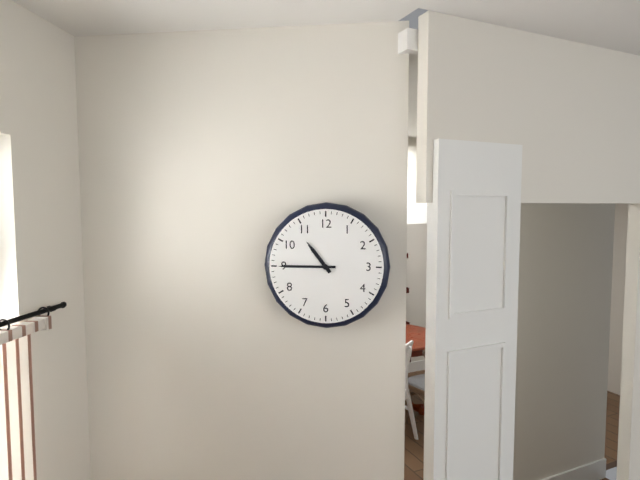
10:45
